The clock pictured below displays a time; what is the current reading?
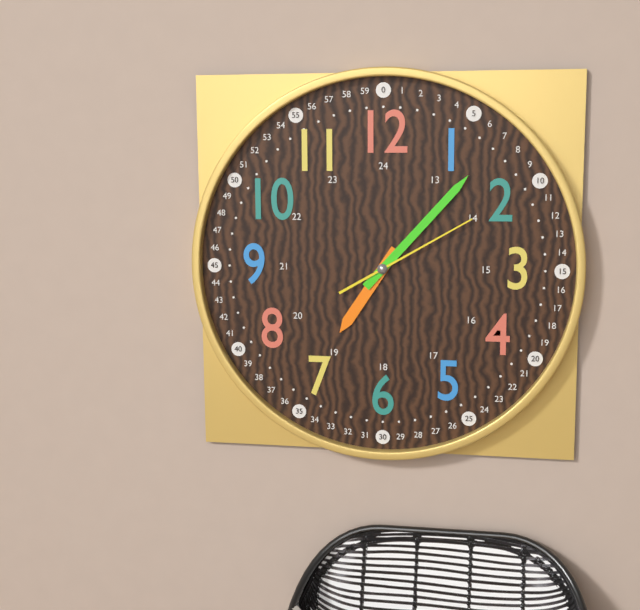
7:07:10
